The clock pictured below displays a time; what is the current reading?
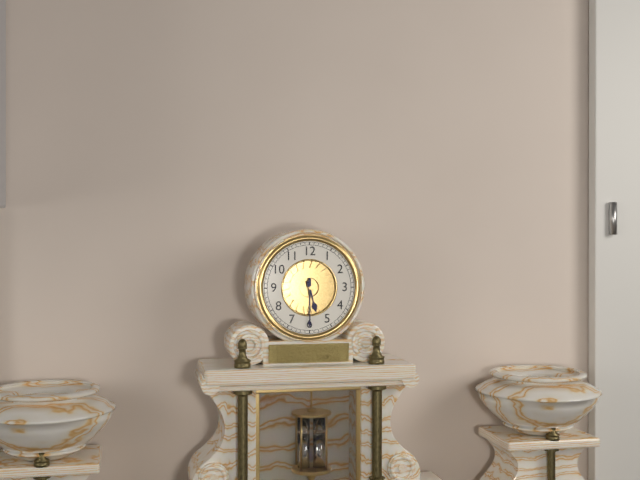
5:30
